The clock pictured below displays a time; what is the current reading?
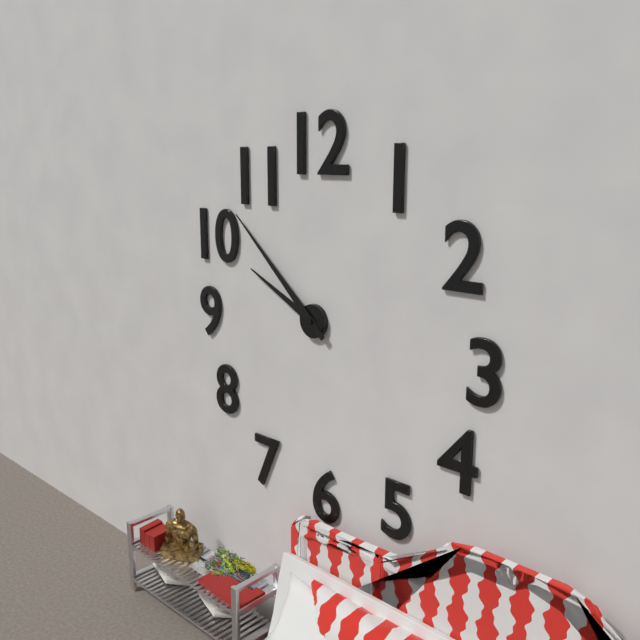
9:52
